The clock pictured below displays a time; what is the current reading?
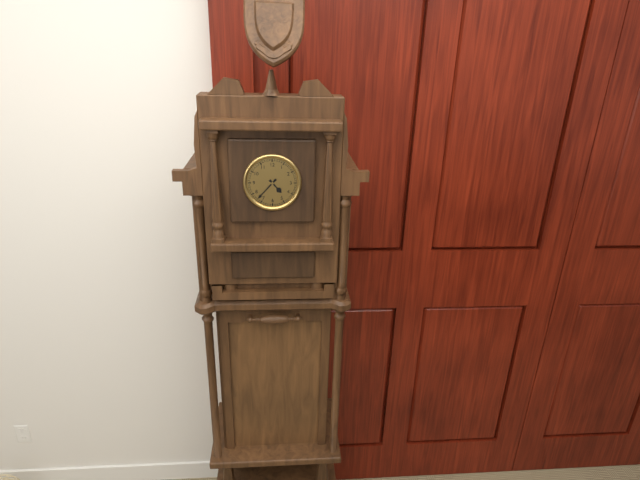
4:37
